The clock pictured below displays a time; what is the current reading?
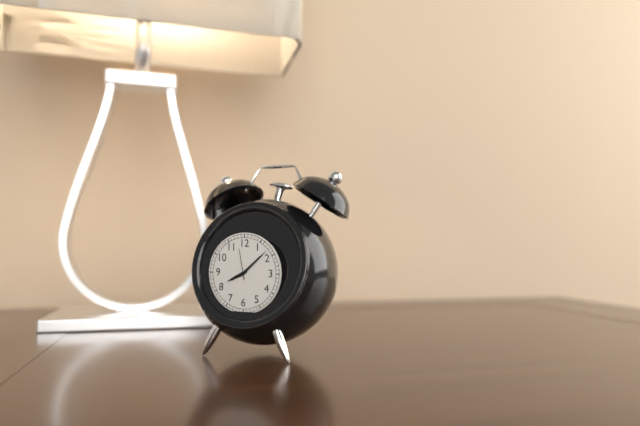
8:08
